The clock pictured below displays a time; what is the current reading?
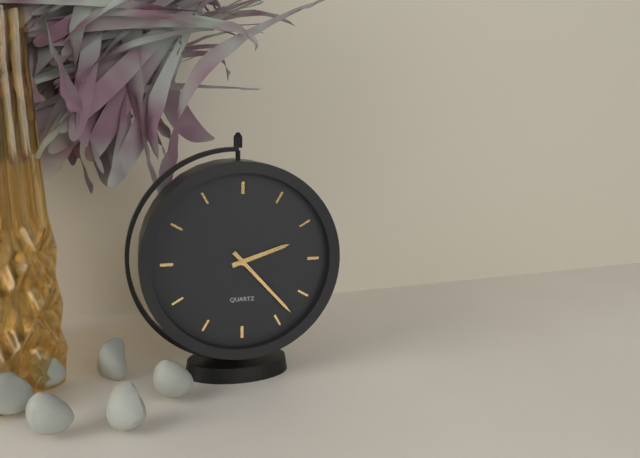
2:23
